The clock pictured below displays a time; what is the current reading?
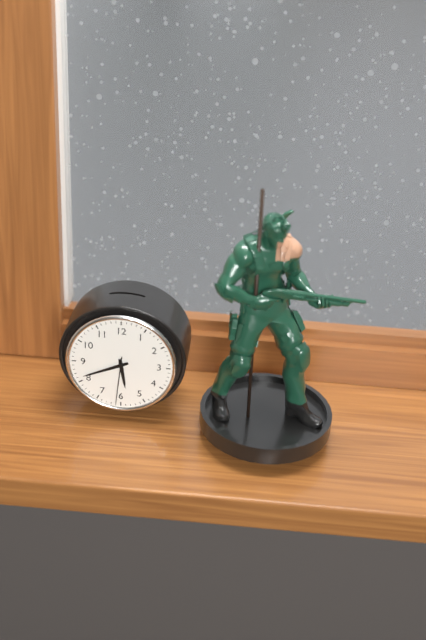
5:41:31
